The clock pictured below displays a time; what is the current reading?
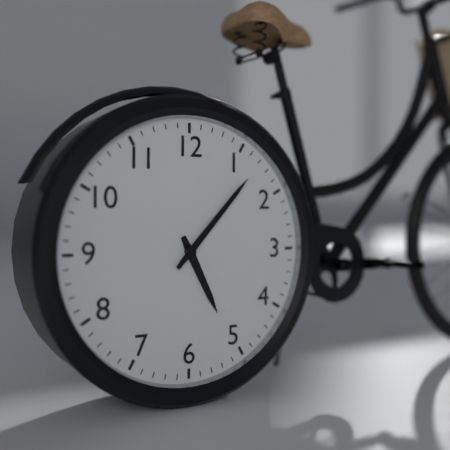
5:07
